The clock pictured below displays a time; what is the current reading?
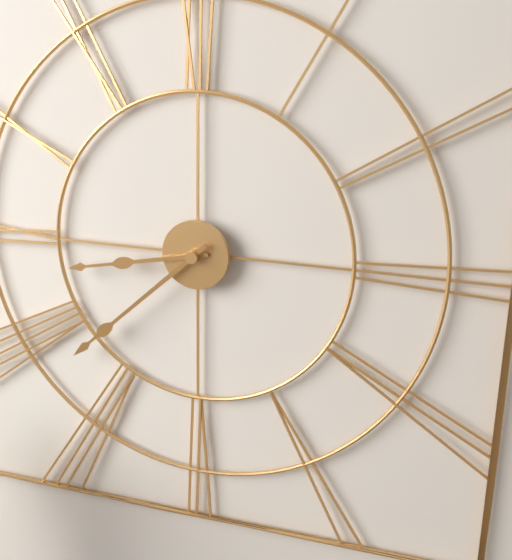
8:38
